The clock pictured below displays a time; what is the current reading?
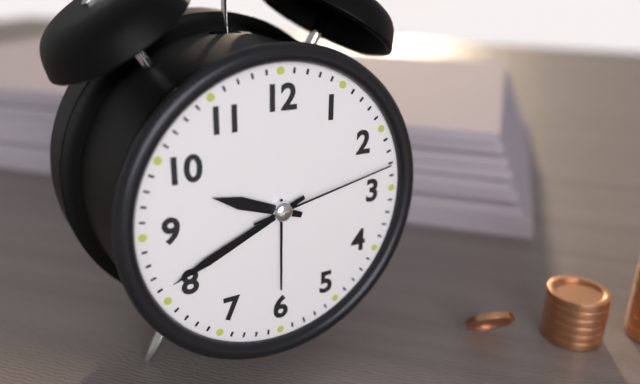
9:41:13
